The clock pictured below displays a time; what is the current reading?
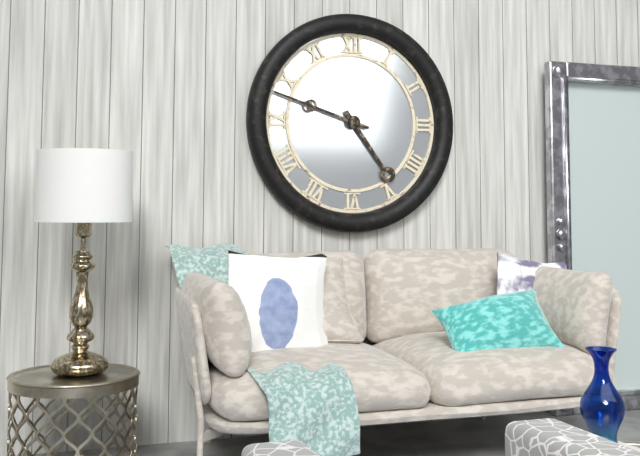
4:48
